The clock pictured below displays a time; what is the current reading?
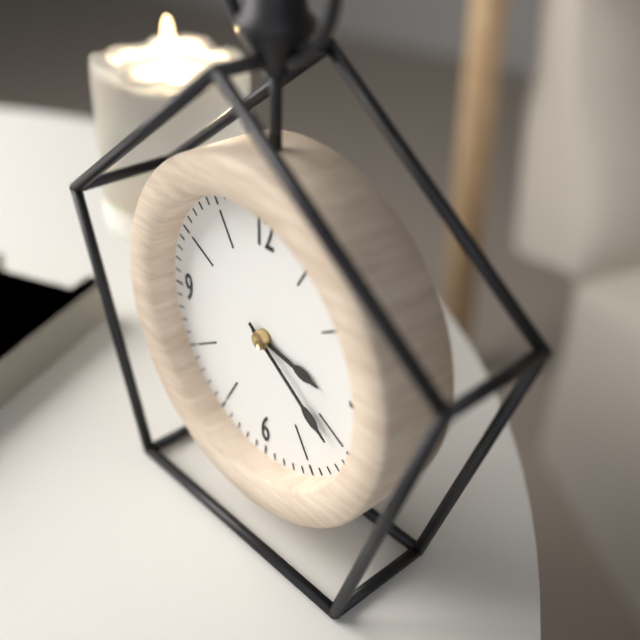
3:21
